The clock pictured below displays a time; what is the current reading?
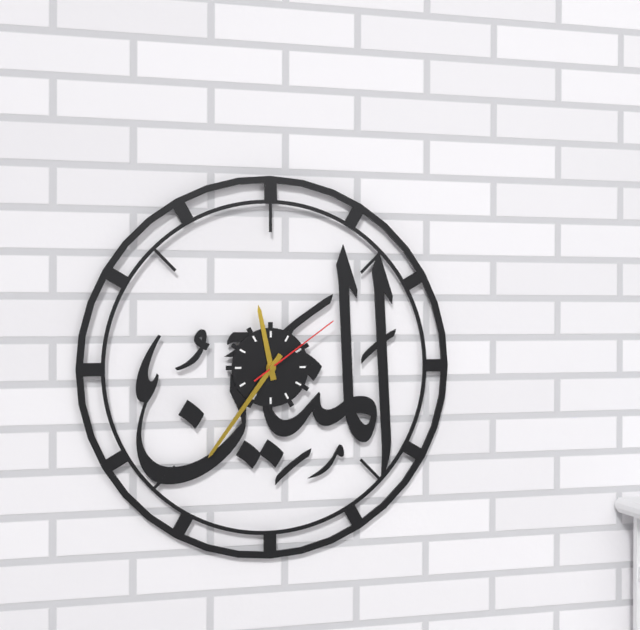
11:36:09
